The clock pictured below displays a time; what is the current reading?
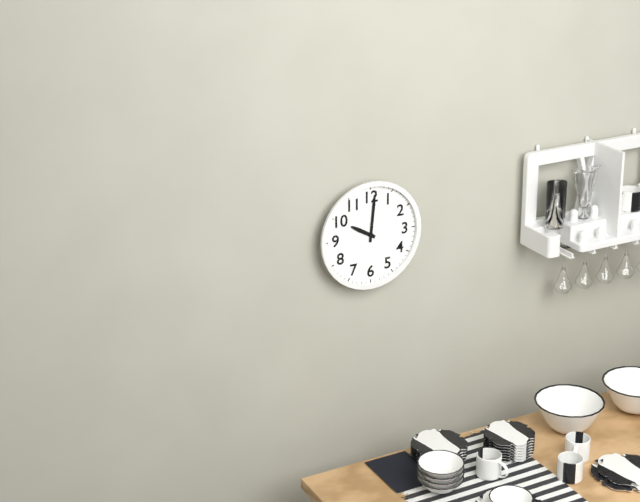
10:01
